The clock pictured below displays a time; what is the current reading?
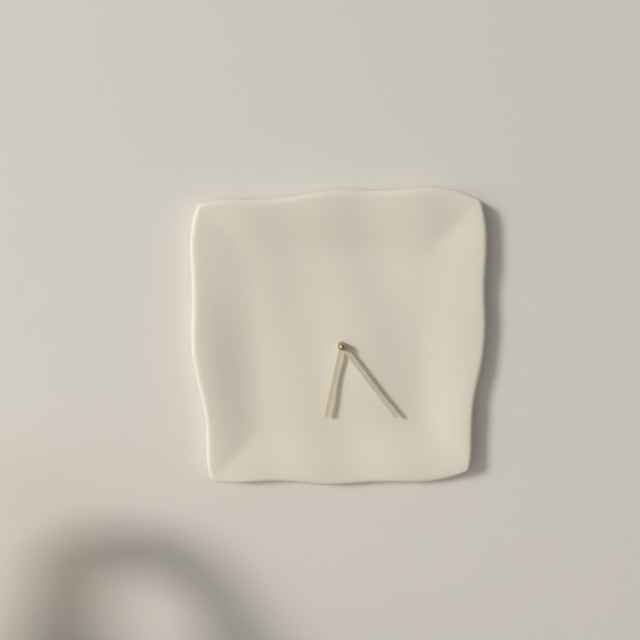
6:24
